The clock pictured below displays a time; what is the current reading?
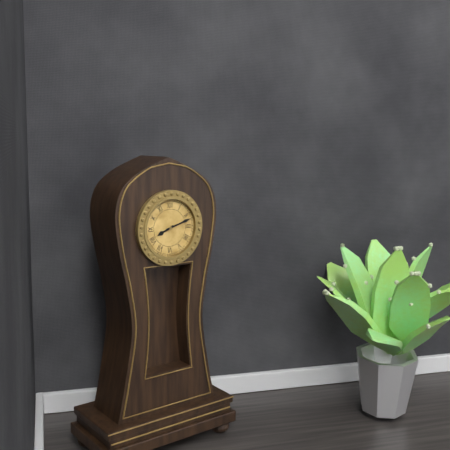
8:12
